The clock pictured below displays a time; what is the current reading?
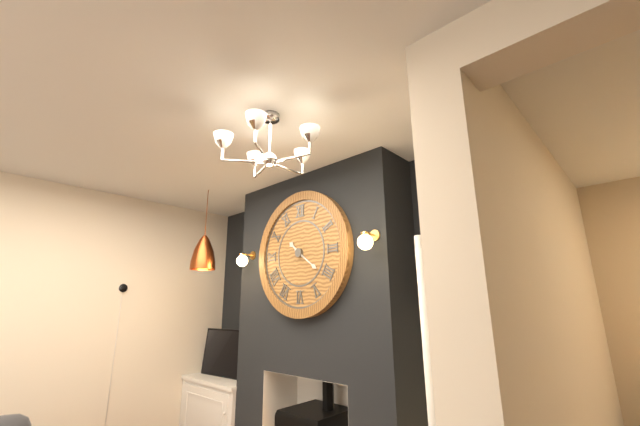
10:21
